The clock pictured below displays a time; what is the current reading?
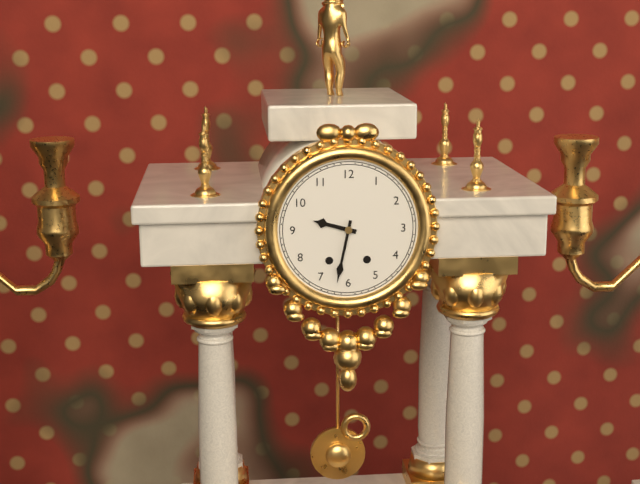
9:32
